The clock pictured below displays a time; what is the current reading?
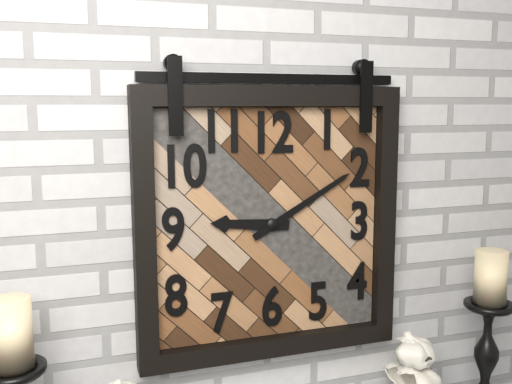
9:10
